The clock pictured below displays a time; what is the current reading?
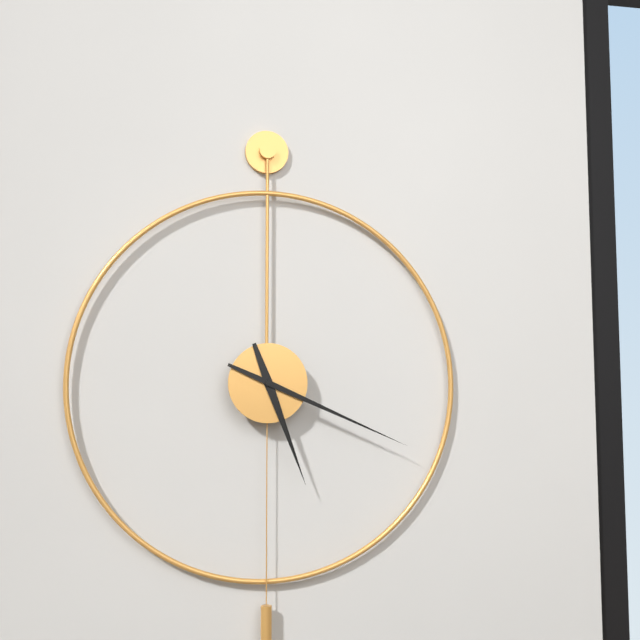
5:19
